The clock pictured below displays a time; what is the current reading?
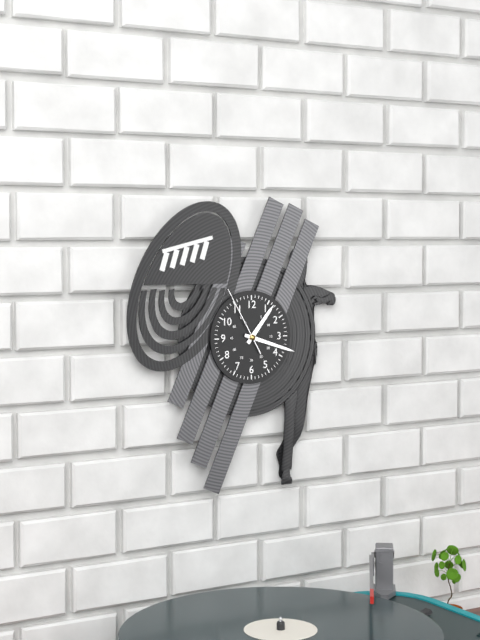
1:18:55
